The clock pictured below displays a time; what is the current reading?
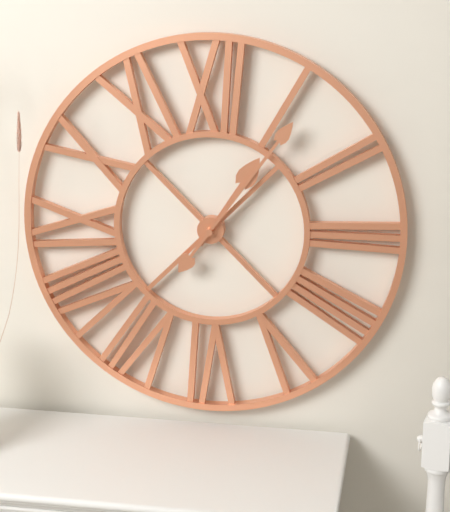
1:06
